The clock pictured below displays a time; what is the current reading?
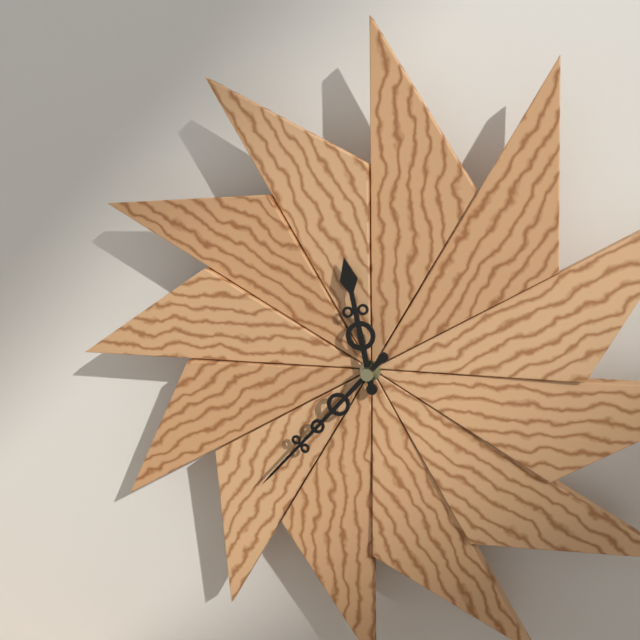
11:37
